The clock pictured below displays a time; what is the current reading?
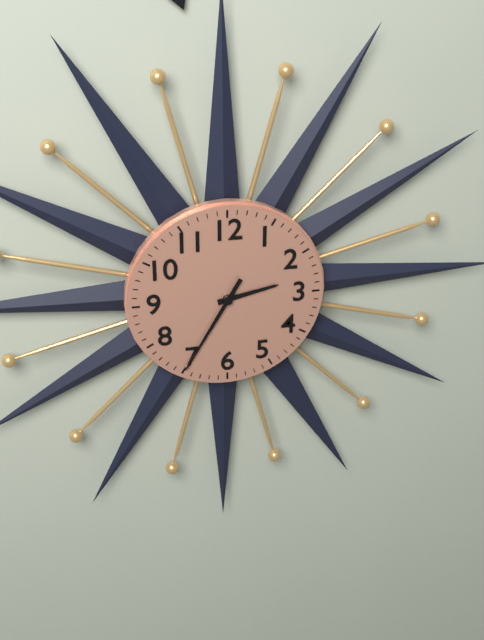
2:35
